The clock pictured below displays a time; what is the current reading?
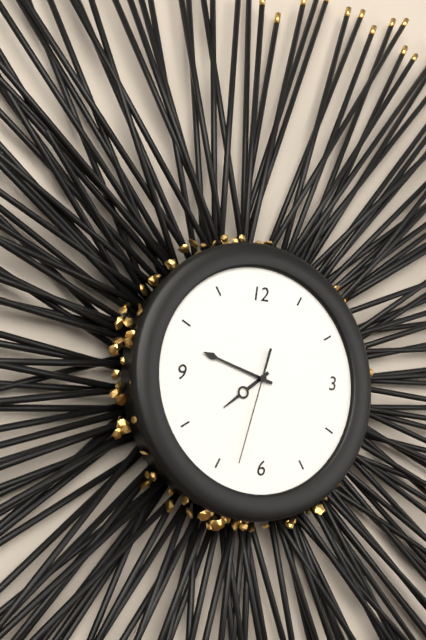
7:48:33
